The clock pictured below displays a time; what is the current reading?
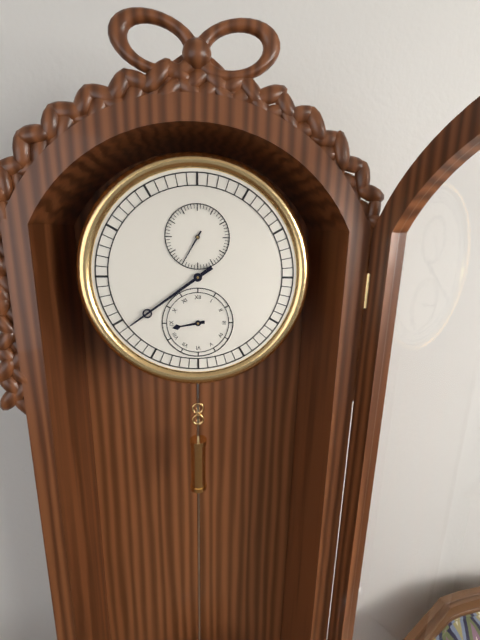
8:39
